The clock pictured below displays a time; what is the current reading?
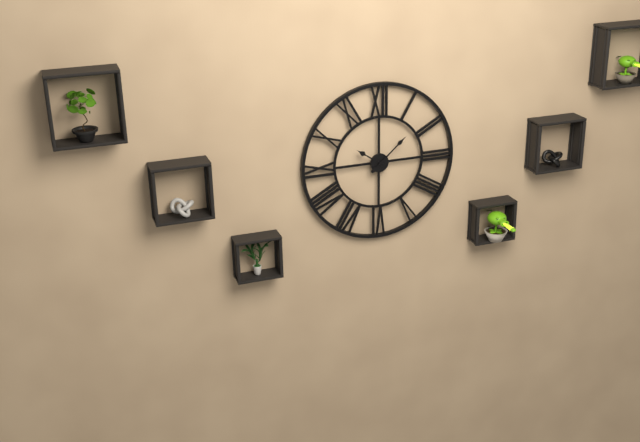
10:08
